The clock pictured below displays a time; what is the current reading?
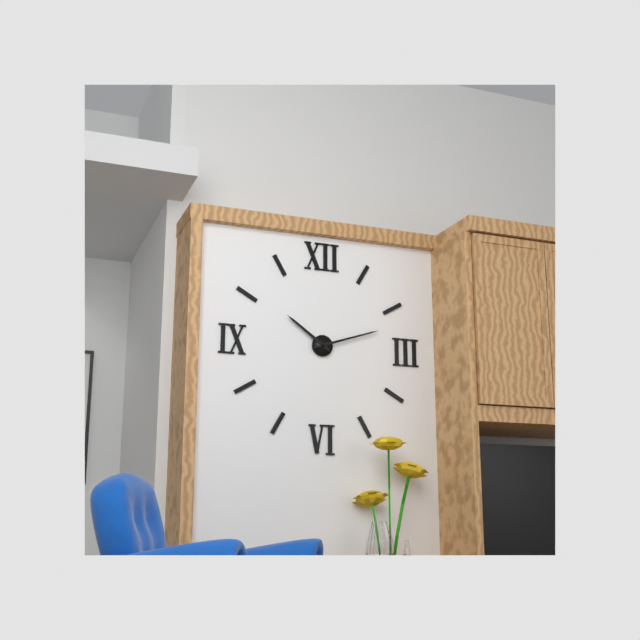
10:12
